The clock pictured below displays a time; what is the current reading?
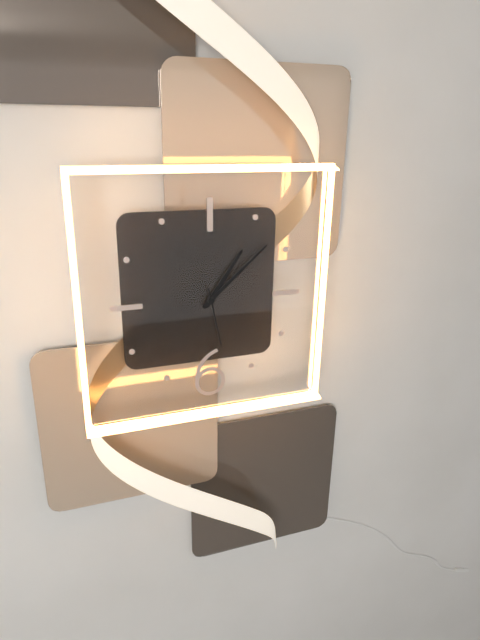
1:08:28
